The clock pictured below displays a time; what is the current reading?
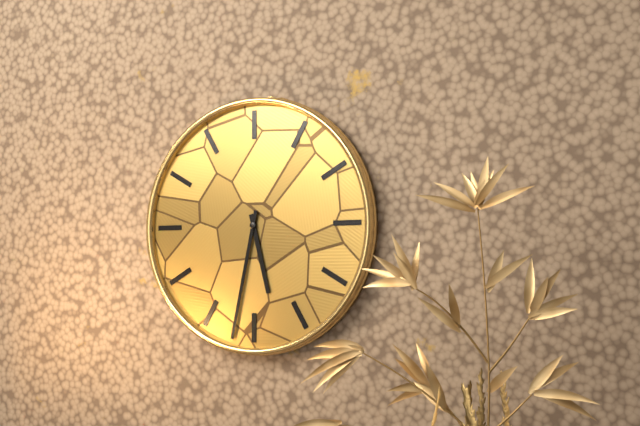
5:32
